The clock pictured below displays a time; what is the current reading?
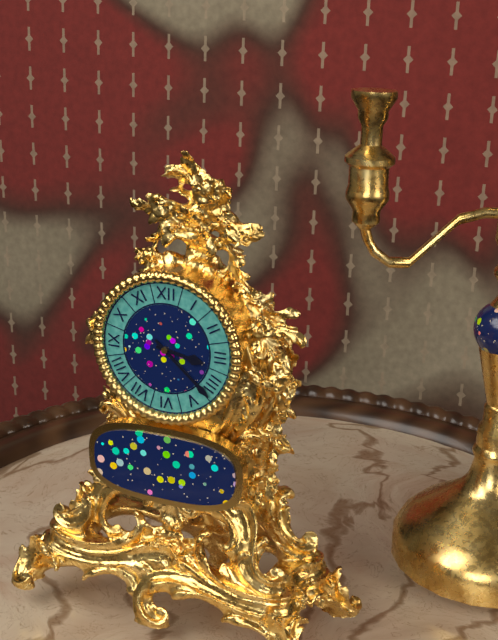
3:22
